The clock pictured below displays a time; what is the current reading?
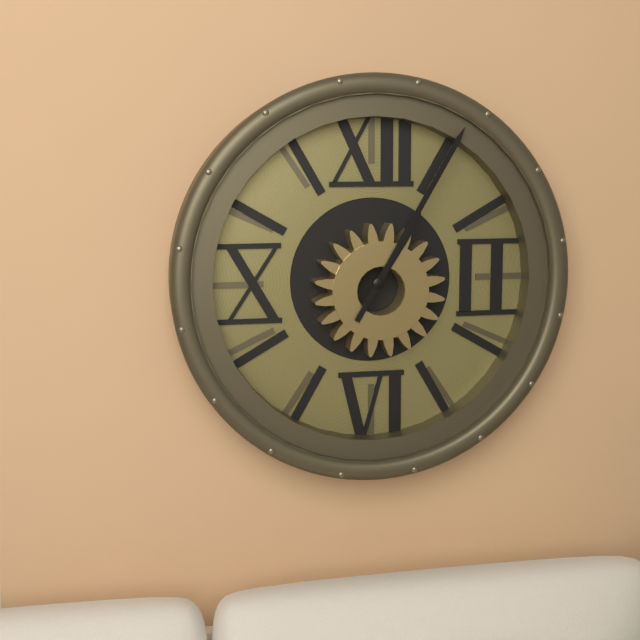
1:05
